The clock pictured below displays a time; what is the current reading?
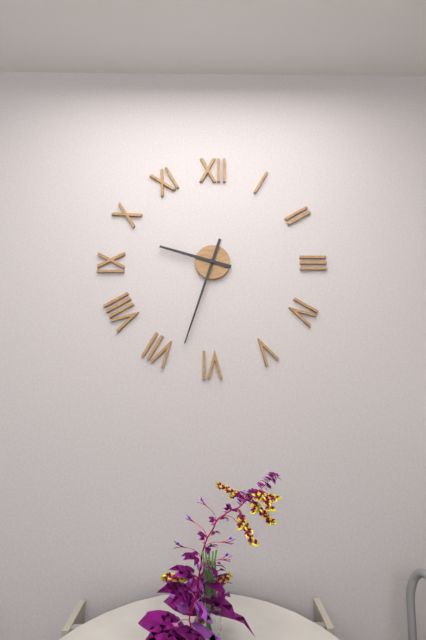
9:33
